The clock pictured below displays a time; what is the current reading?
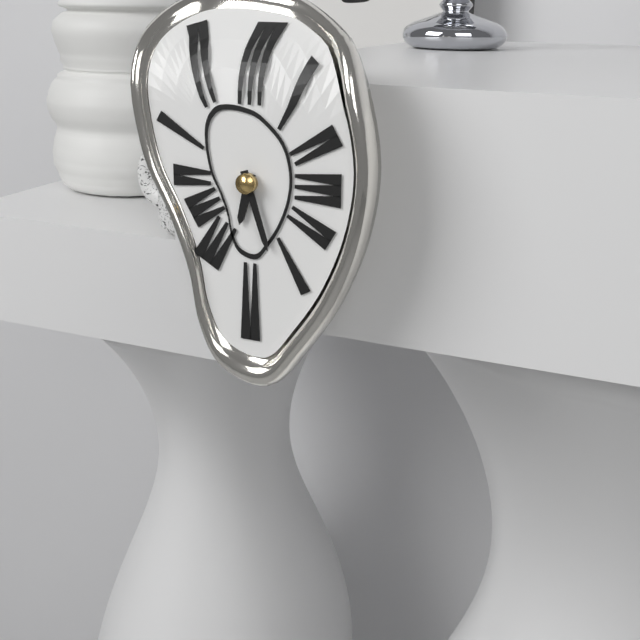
6:27
